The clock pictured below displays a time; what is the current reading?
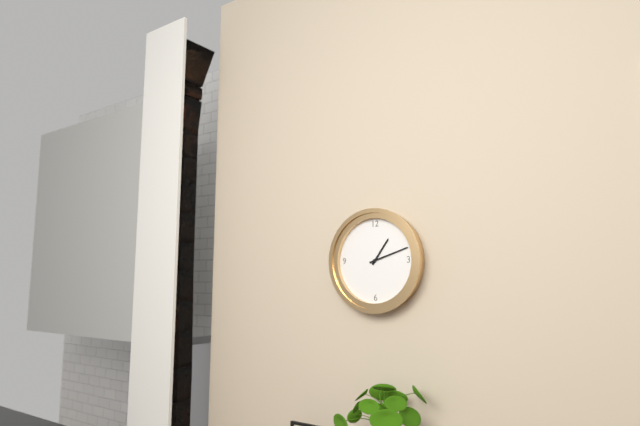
1:12
